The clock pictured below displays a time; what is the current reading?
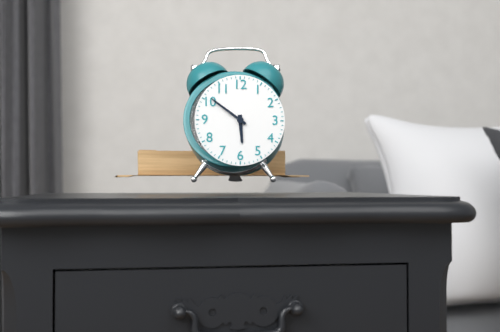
5:51
